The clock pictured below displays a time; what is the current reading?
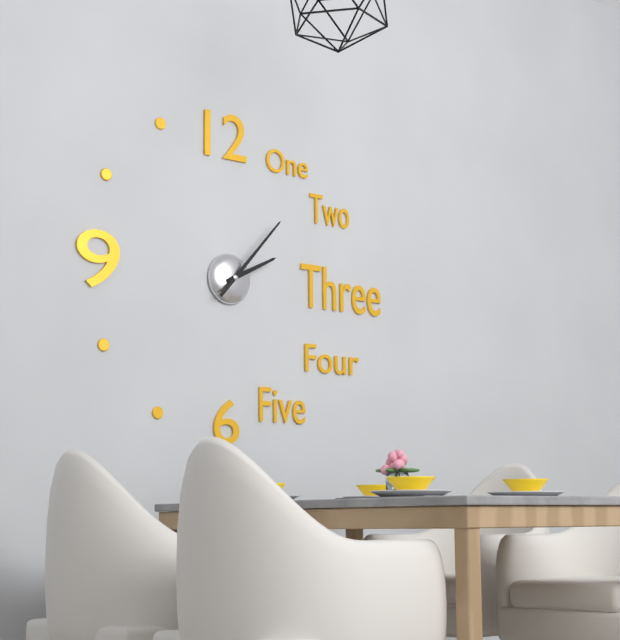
2:07
